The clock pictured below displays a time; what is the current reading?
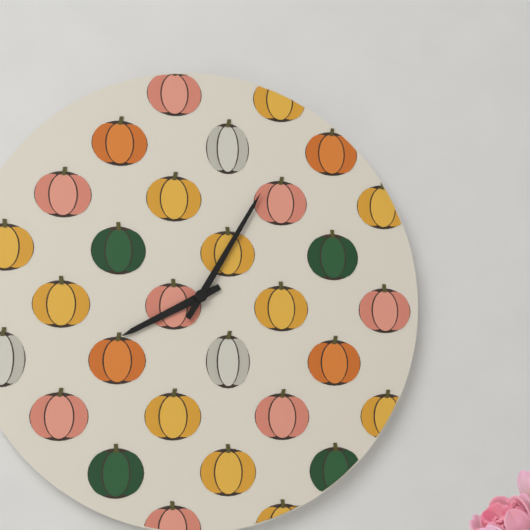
8:05
